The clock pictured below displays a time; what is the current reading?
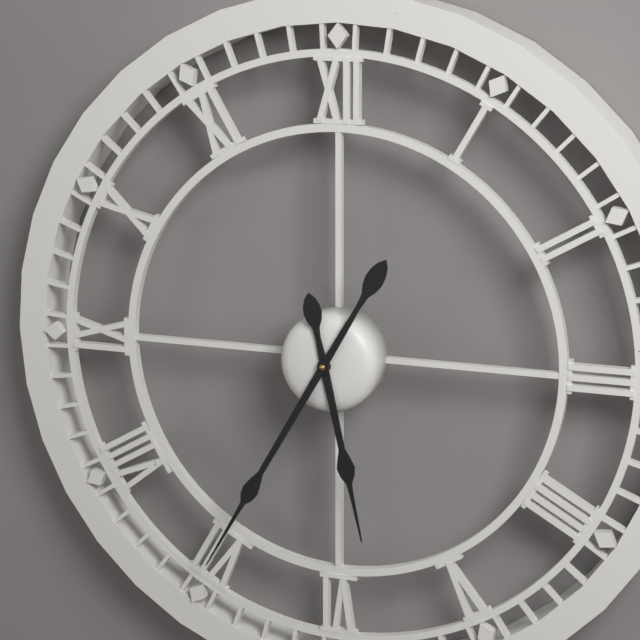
5:35
